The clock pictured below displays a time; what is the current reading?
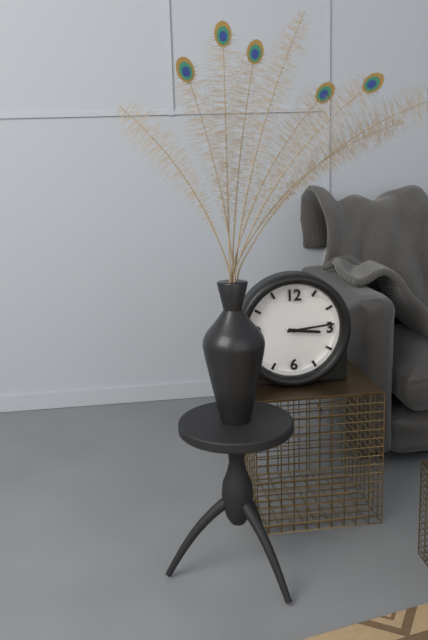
3:14
